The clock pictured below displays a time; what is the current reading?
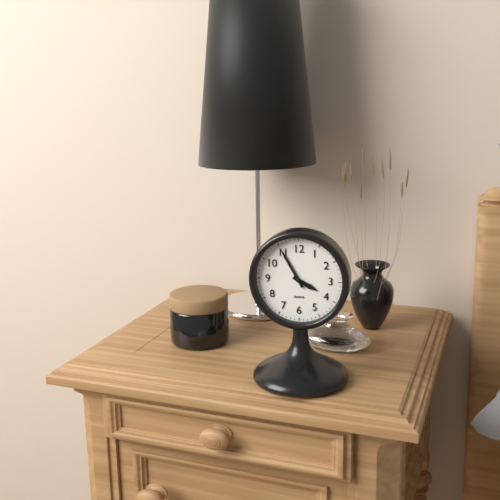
3:55
